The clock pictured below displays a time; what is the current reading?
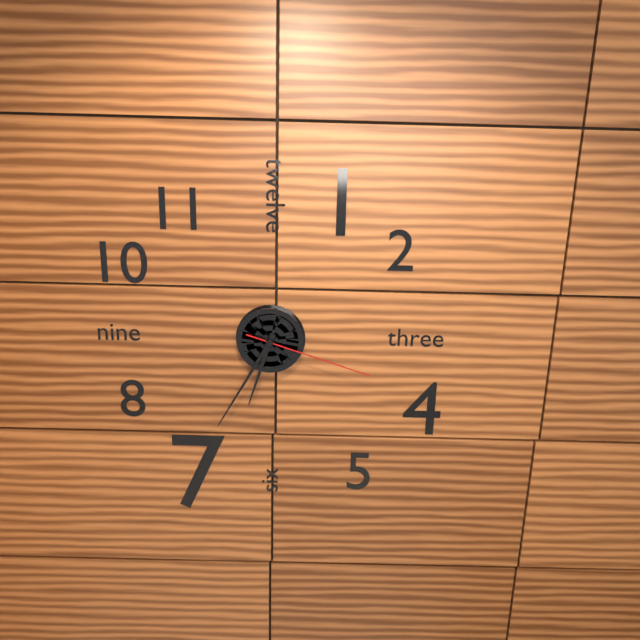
6:35:18
